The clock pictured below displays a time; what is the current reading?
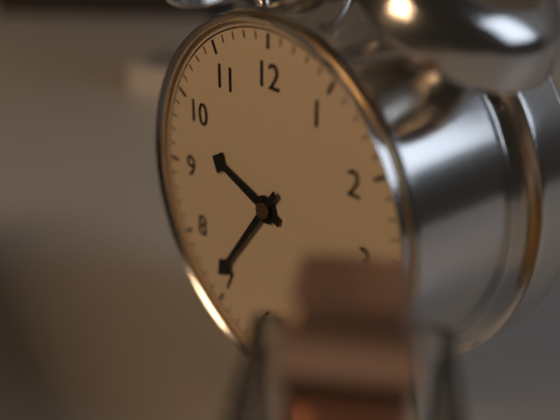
9:36
